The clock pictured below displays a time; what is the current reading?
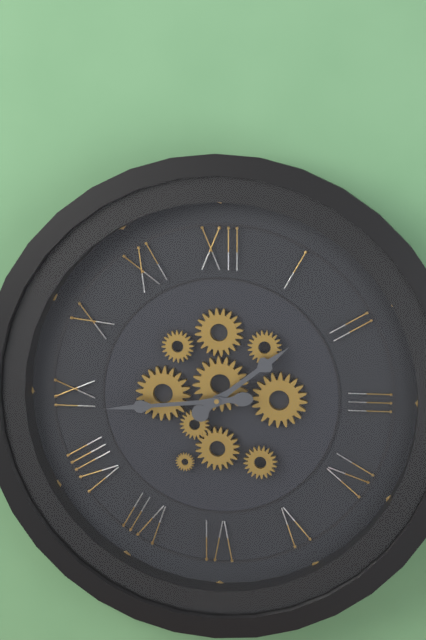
1:44
